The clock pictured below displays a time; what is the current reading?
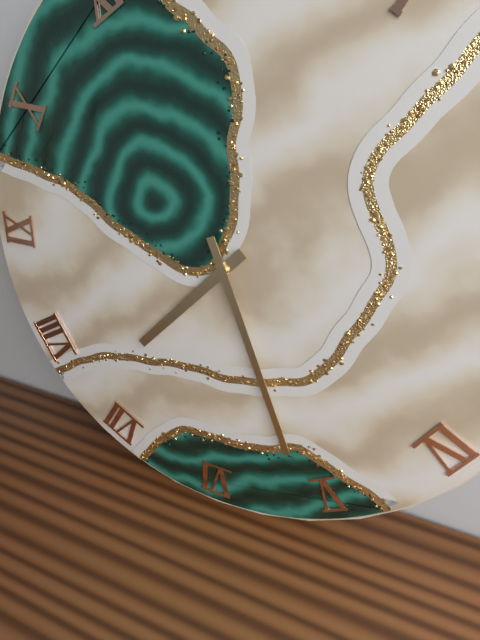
7:26
